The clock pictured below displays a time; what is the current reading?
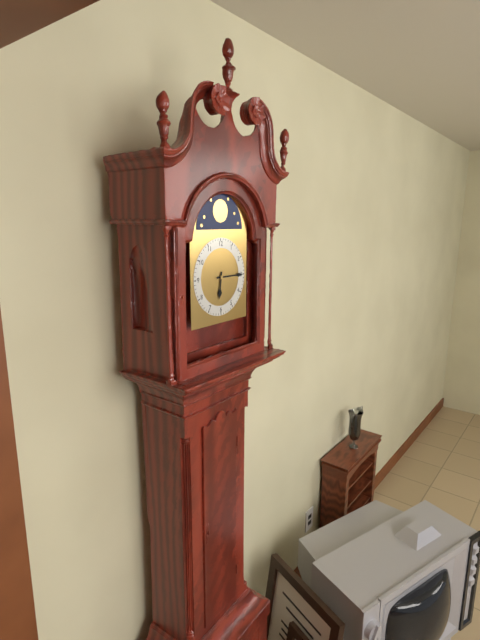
6:15
